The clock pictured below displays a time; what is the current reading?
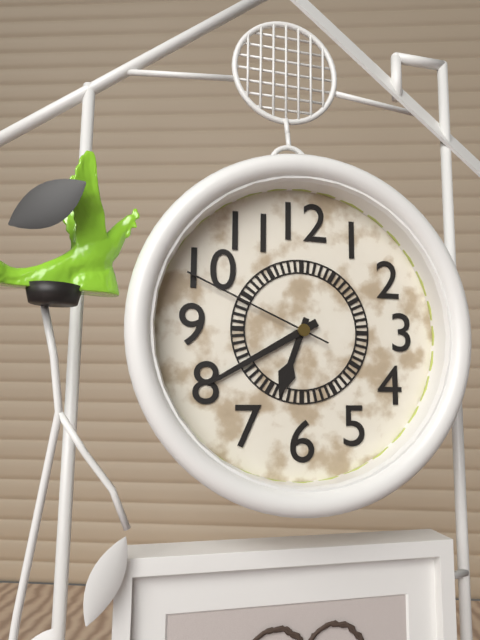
6:40:49
